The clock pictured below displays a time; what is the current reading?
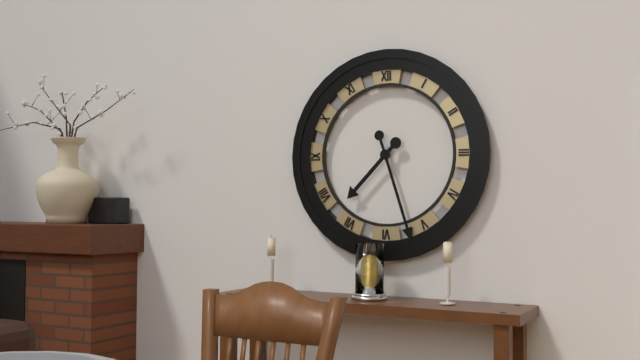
7:27
